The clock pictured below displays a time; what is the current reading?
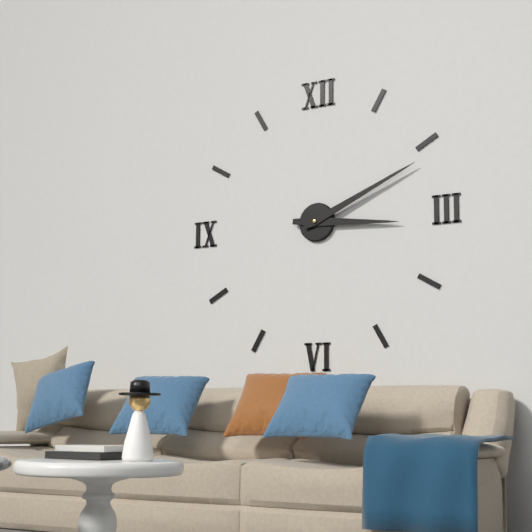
3:11
